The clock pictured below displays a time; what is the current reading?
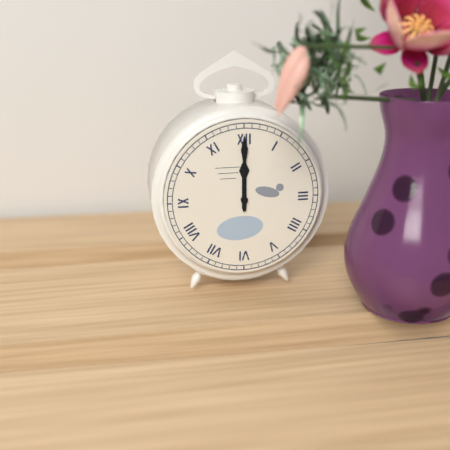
12:00
